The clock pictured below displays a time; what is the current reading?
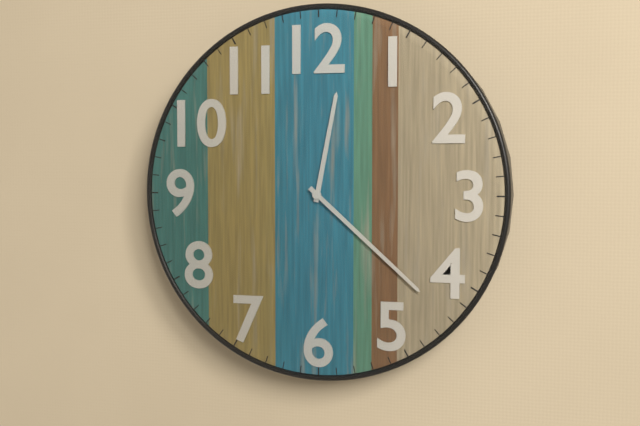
12:22
